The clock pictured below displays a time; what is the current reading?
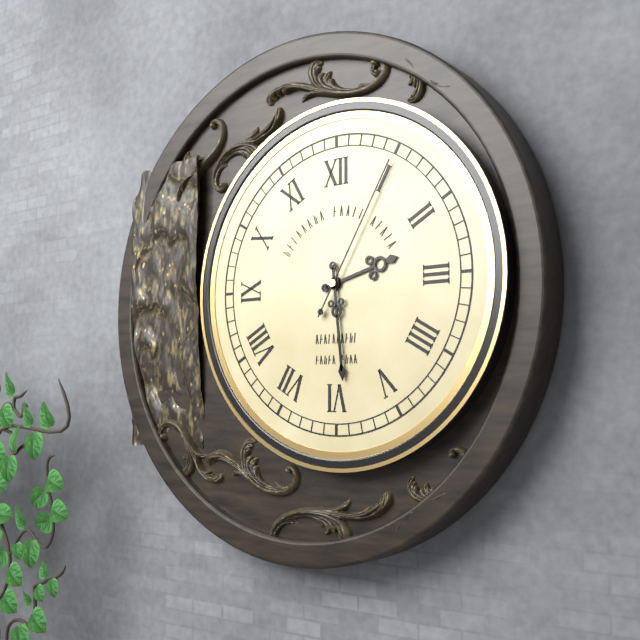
2:29:05
